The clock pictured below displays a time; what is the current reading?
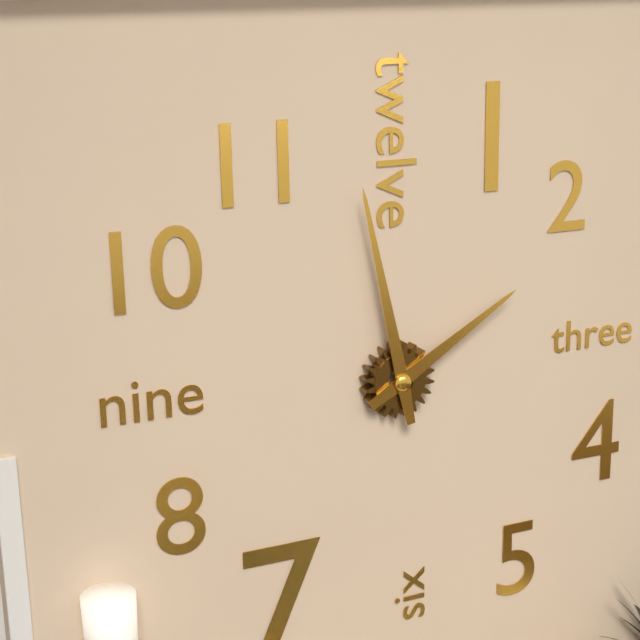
1:58
